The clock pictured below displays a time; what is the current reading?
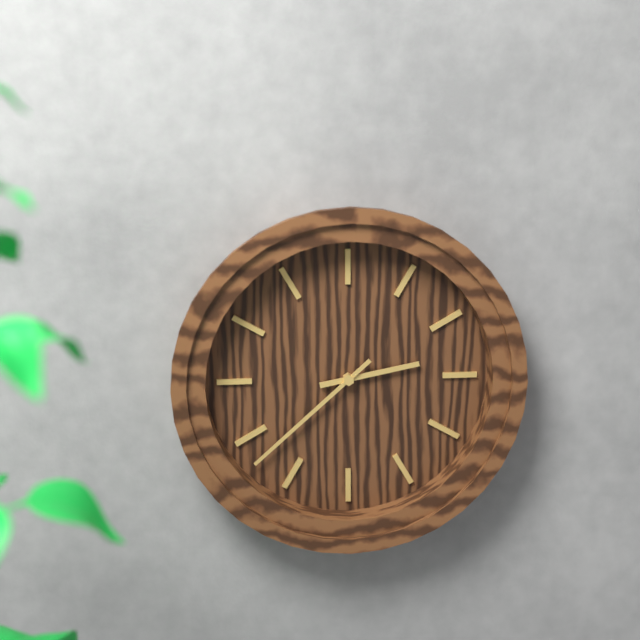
2:38
